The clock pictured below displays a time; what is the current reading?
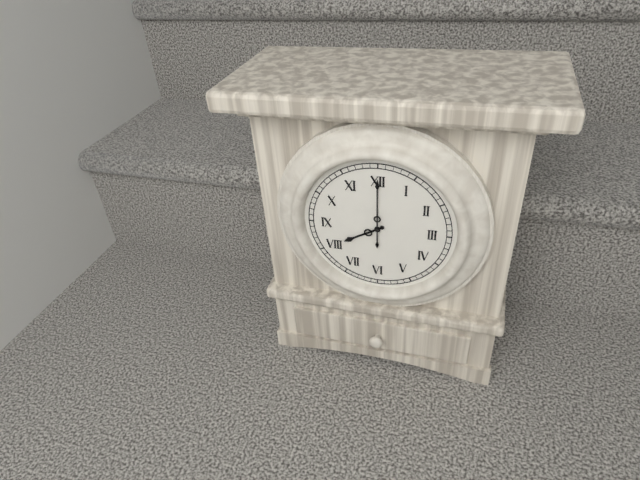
8:00
